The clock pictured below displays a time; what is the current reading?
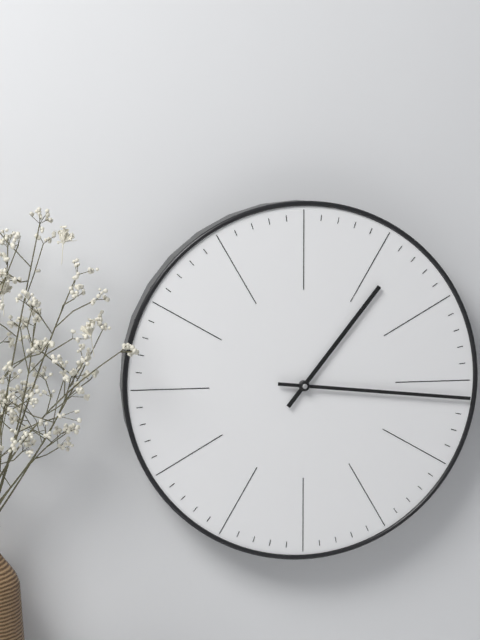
1:16
